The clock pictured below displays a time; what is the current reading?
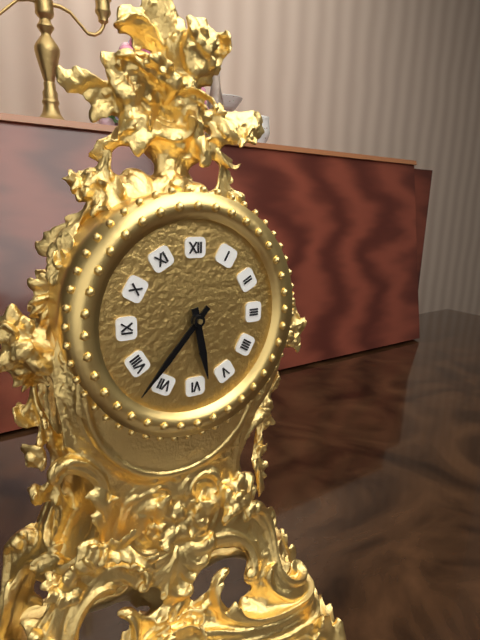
5:37
